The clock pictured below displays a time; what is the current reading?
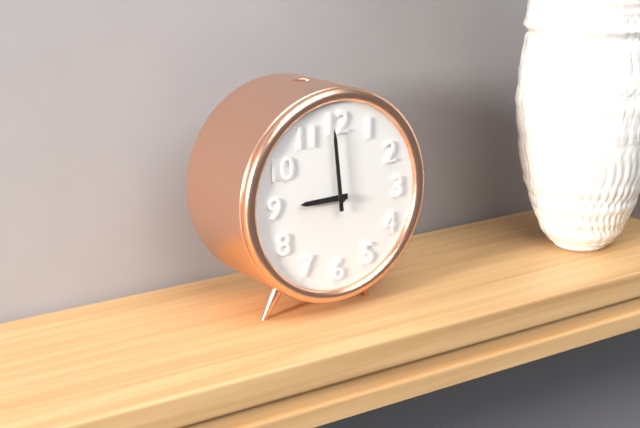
8:59
